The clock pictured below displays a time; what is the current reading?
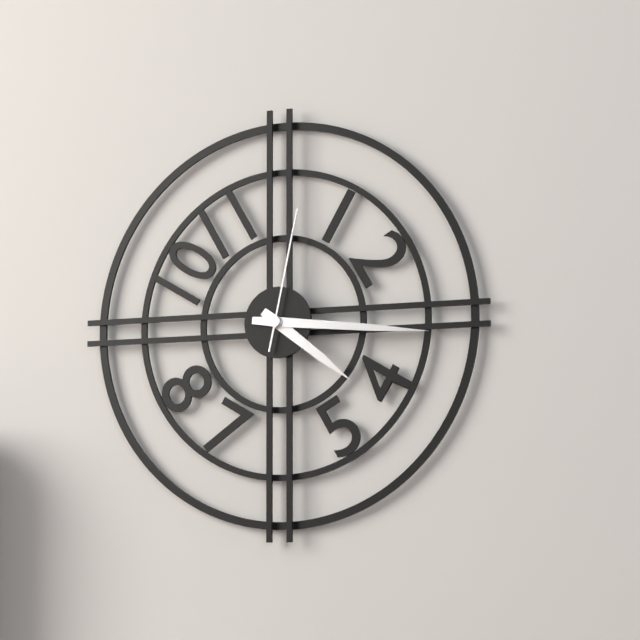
4:16:02
